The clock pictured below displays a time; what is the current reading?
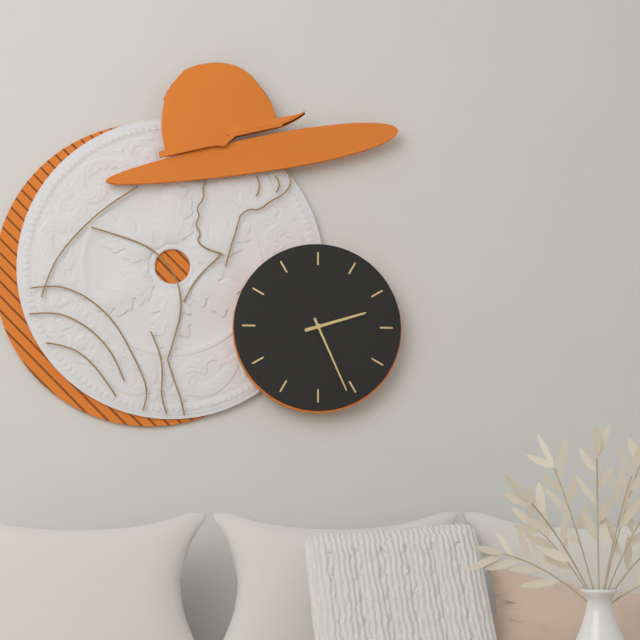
2:26
